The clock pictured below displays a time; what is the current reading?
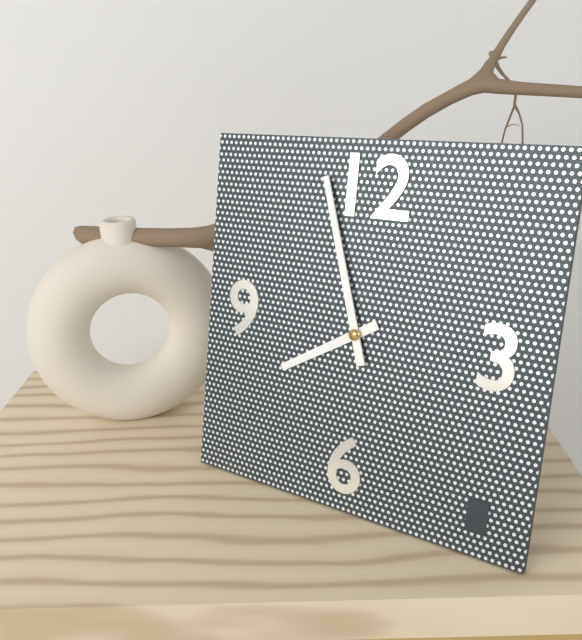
7:57
